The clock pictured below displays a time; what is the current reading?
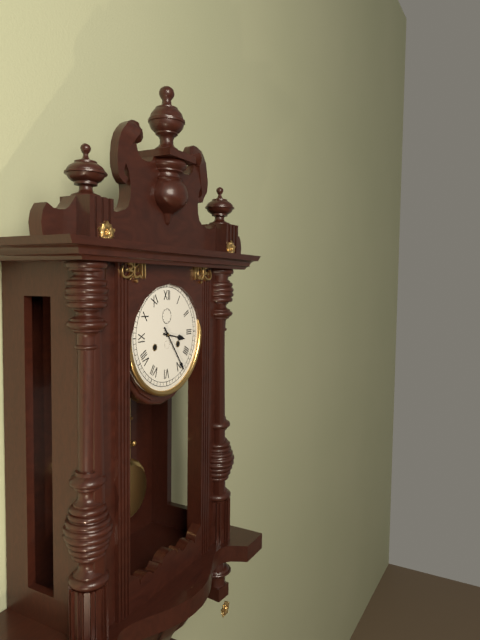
3:24
